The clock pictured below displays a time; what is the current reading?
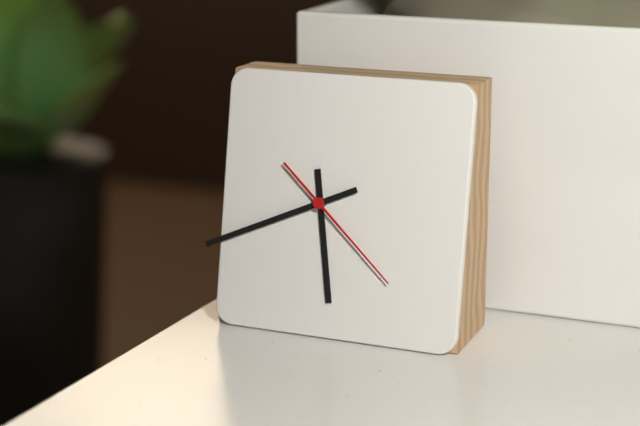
5:41:22
